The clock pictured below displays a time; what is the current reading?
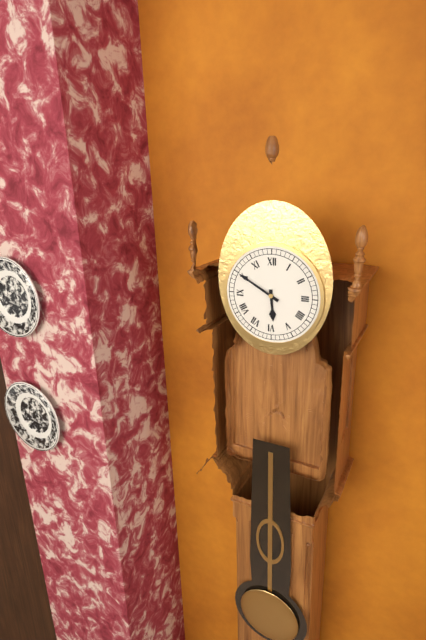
5:50
